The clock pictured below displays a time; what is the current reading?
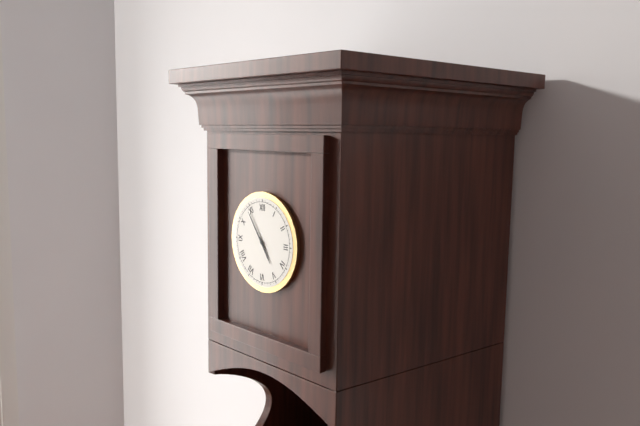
4:54
